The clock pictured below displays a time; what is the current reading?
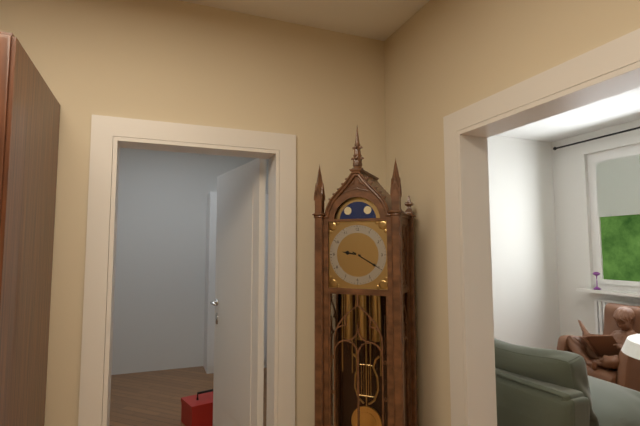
9:20
